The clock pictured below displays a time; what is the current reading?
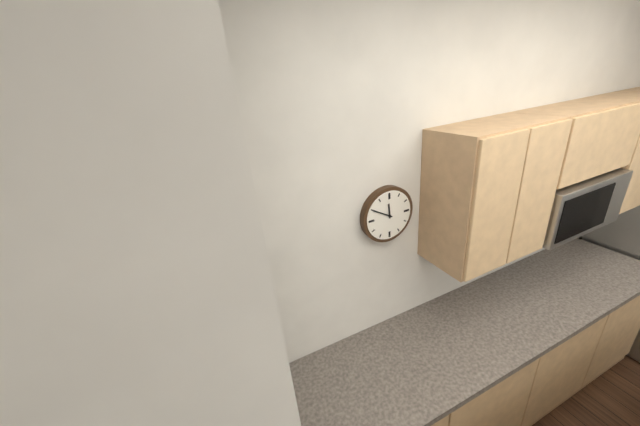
11:50
